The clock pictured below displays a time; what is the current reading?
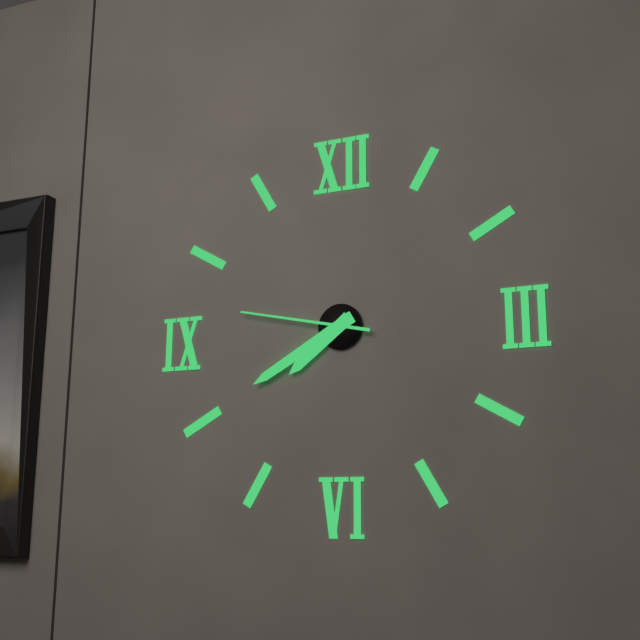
7:40:47
